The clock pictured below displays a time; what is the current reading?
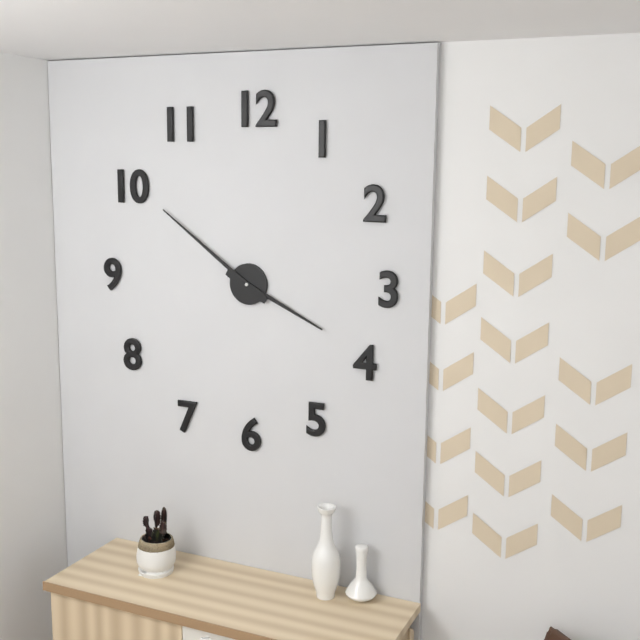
3:51
